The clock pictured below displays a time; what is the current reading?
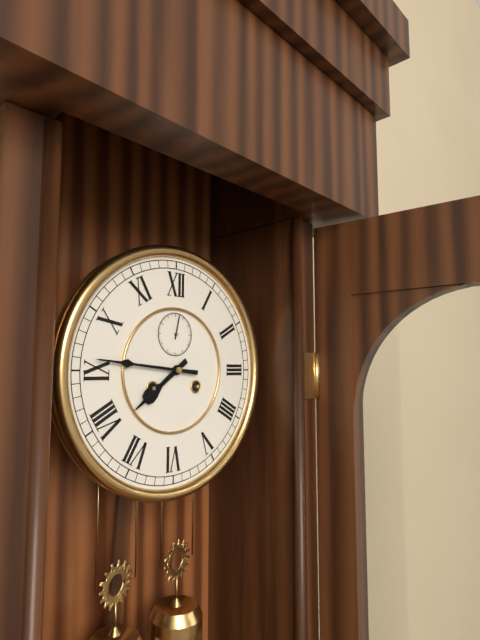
7:46
